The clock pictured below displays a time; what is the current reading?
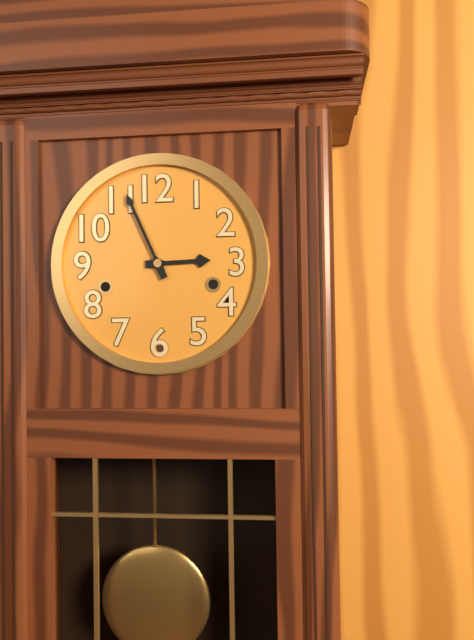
2:56
